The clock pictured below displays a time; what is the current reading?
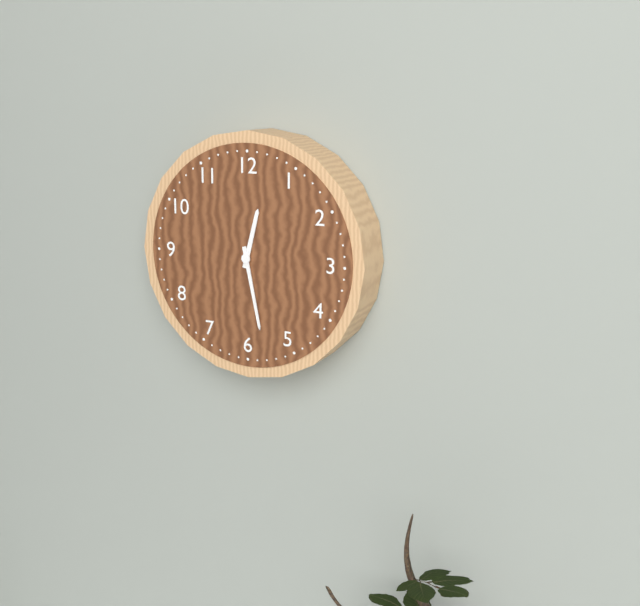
12:28
